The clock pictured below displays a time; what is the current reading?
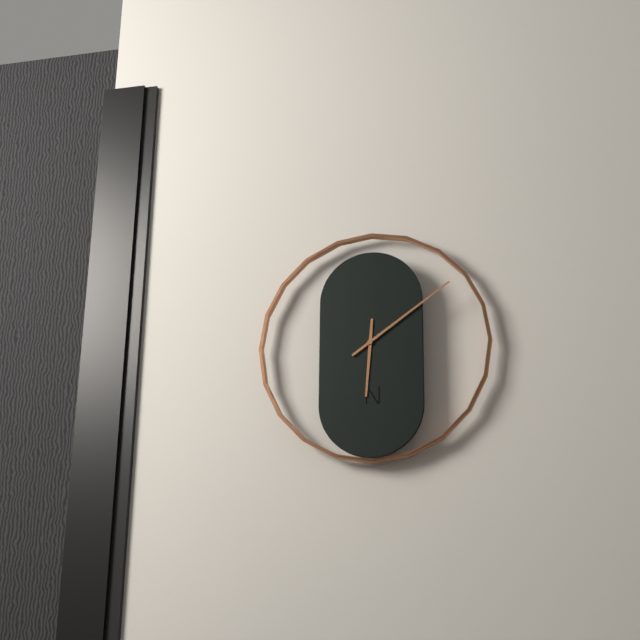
6:09
